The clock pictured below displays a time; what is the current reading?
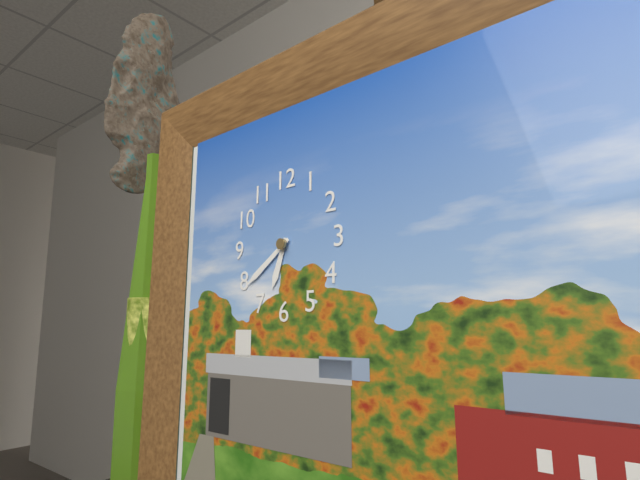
6:39
